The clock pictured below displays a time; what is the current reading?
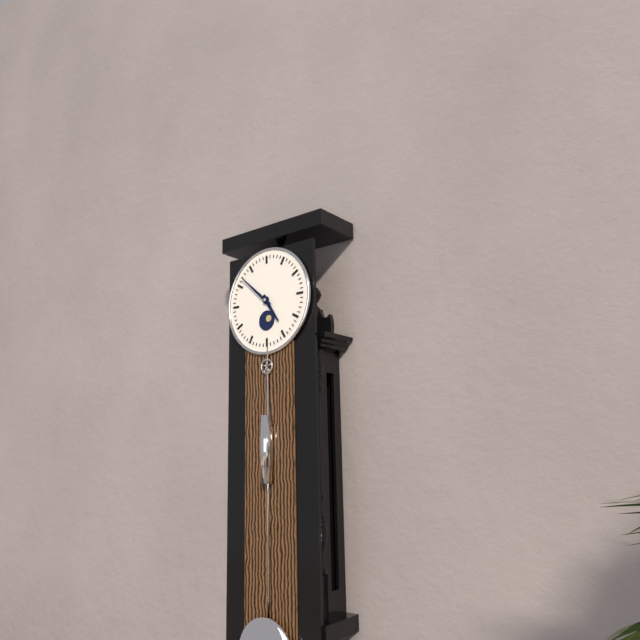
4:52
